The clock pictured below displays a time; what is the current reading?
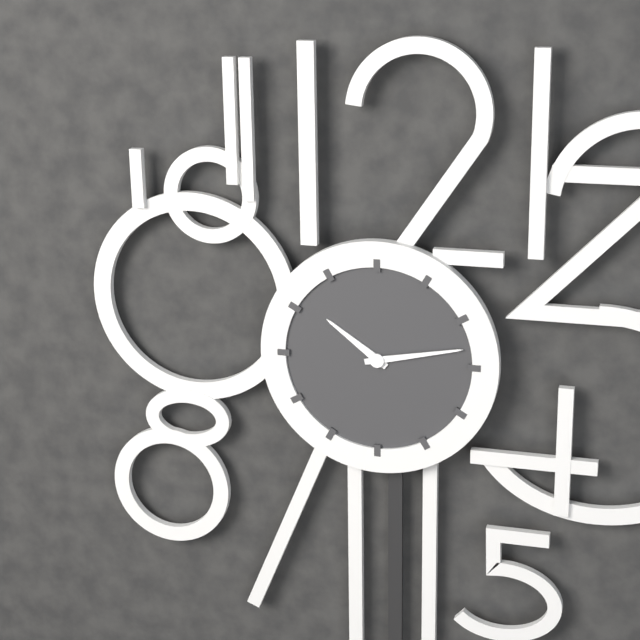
10:13
